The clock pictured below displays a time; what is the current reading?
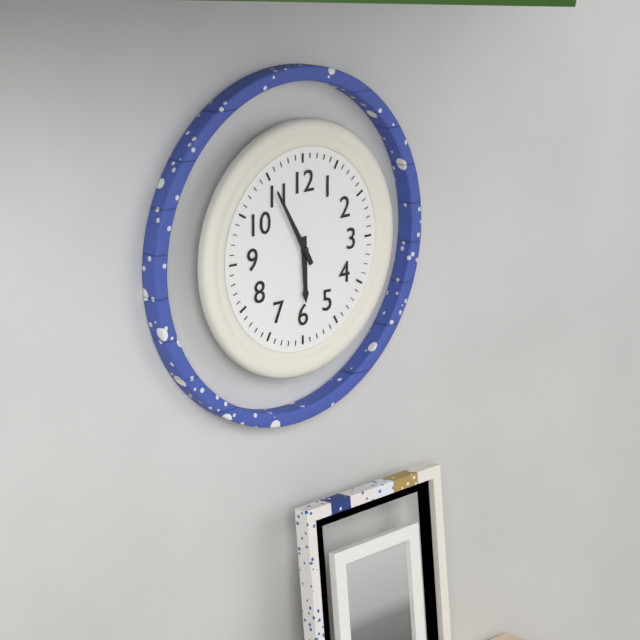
5:55
